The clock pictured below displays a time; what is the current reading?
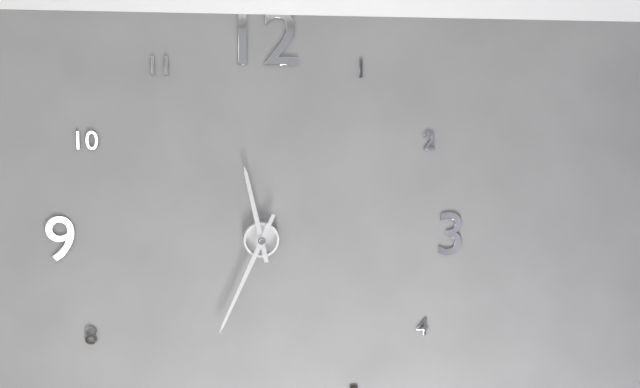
11:34
